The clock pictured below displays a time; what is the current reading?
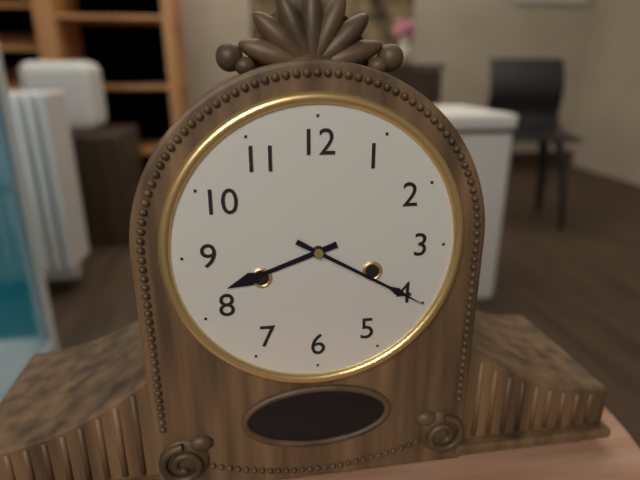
8:20
